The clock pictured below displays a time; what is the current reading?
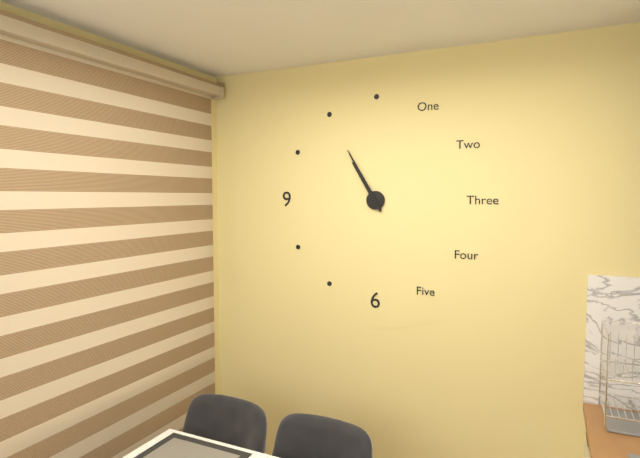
10:55
